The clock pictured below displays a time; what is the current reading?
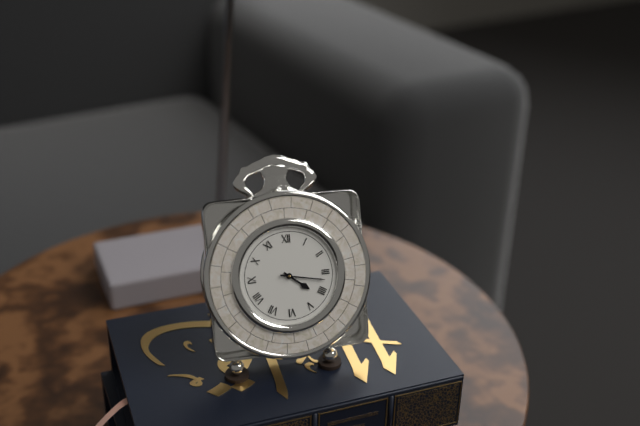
4:17
